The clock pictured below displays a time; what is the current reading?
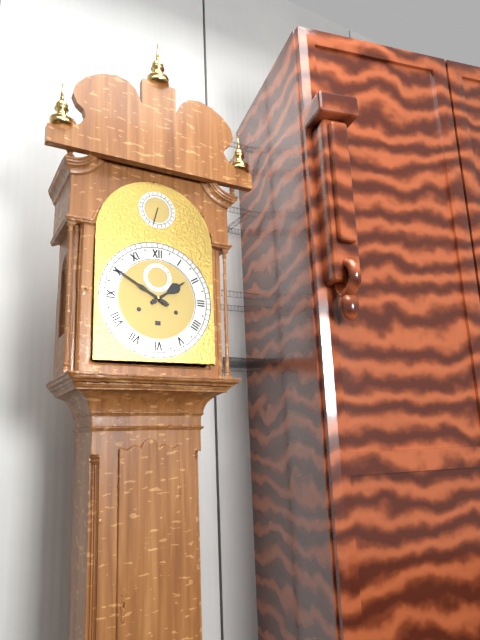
1:50
